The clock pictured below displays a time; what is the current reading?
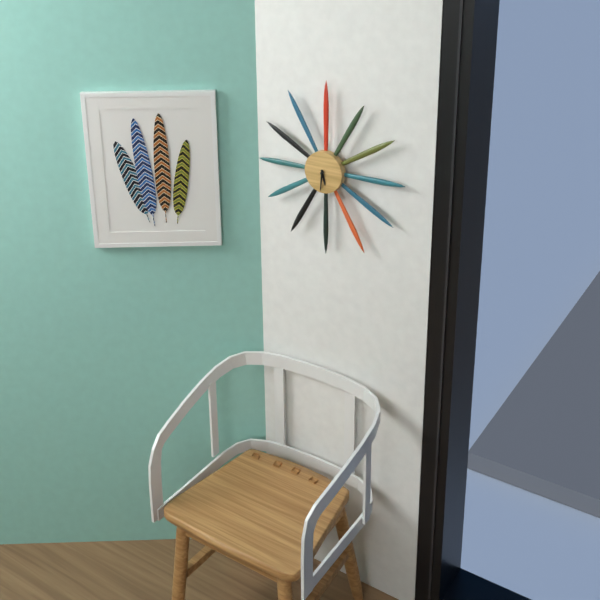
5:31
